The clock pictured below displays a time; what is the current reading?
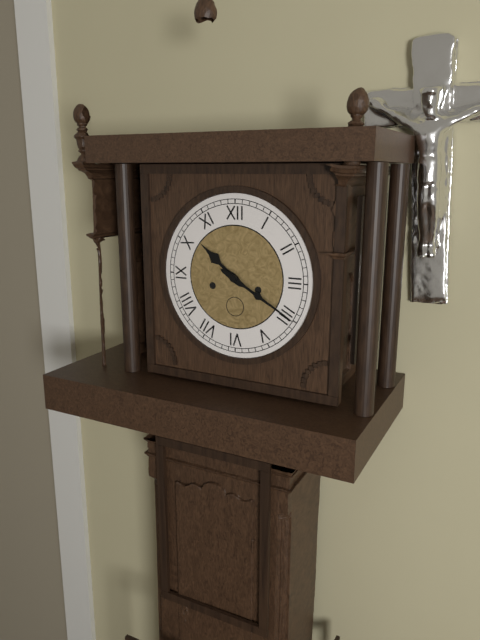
10:20
